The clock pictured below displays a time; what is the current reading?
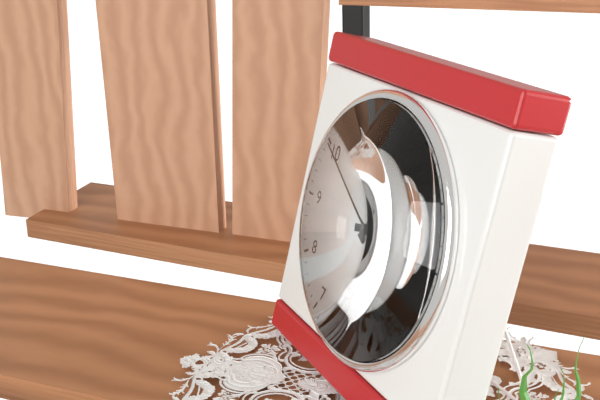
1:13:50
